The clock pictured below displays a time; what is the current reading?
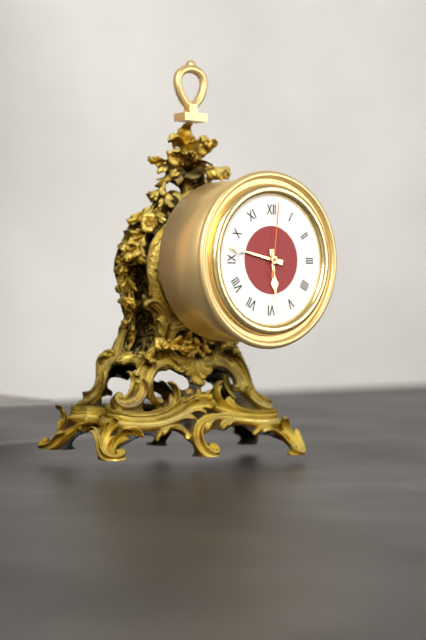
5:47:01
